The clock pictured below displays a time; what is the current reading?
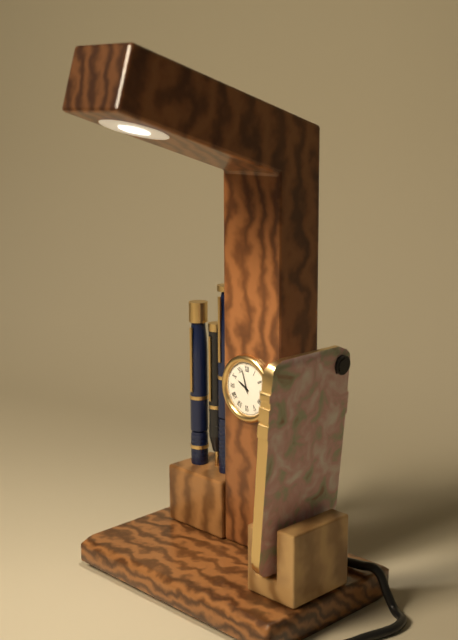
9:57
